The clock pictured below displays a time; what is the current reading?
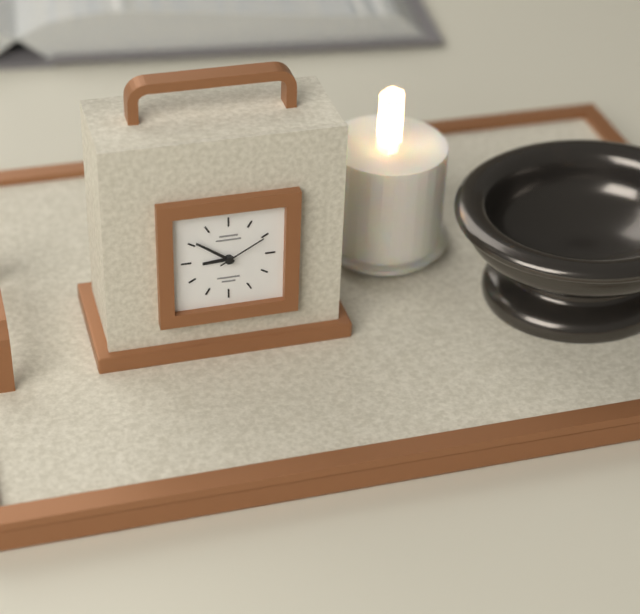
8:51:10
